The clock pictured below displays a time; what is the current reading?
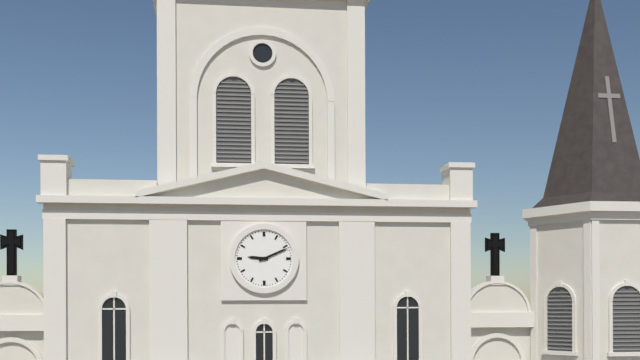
9:11
